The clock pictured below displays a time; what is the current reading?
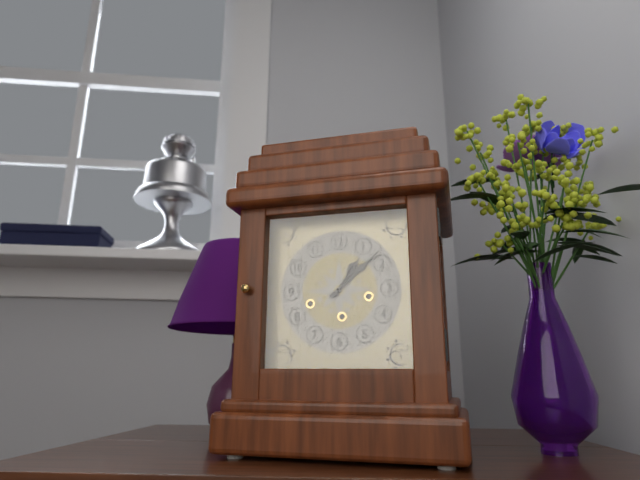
1:08
